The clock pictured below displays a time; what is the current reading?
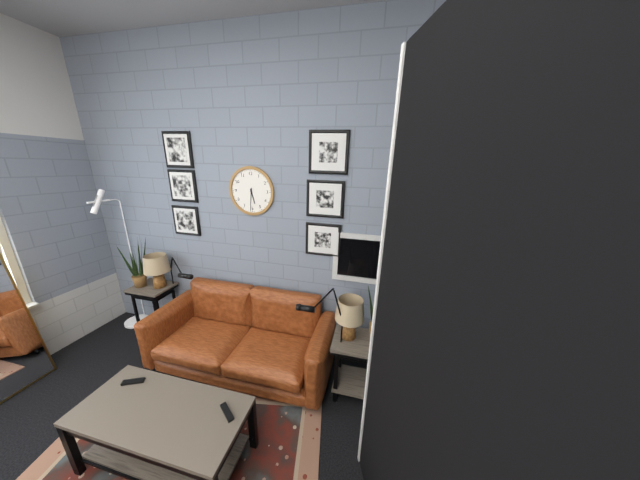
5:31
